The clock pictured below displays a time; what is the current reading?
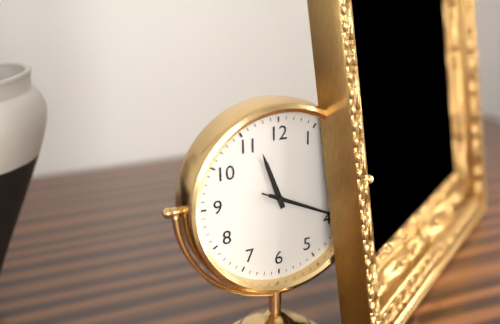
11:19:19
